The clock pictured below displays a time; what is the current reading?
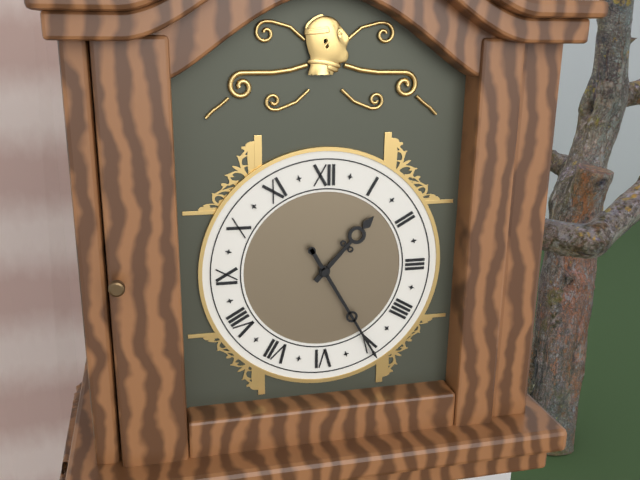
1:25
